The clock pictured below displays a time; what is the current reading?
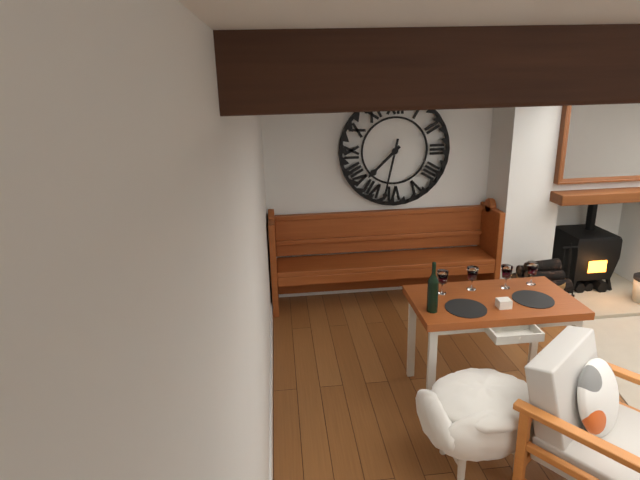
7:32
